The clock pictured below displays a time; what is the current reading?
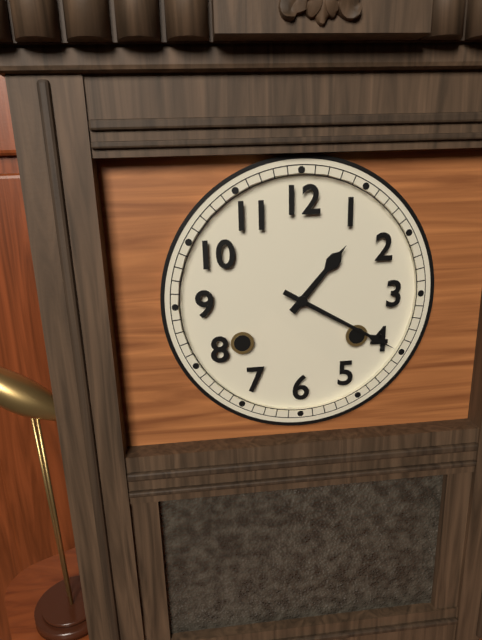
1:20
